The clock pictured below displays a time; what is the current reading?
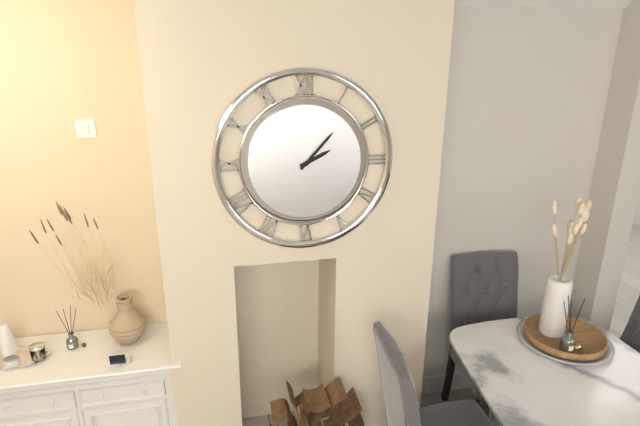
2:07
